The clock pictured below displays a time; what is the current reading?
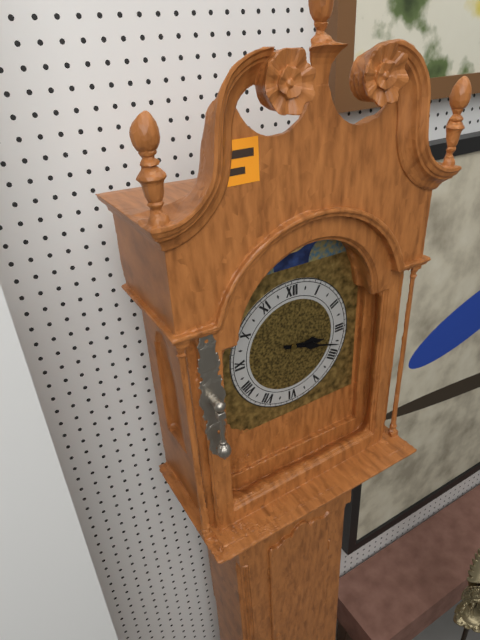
3:18
